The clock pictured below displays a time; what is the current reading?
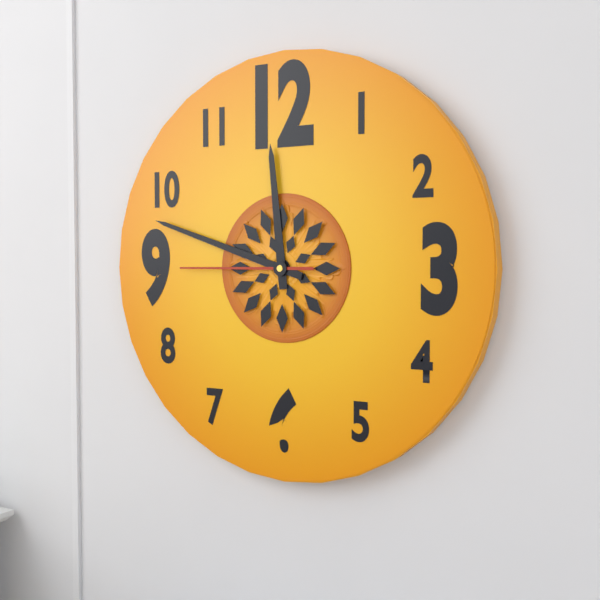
11:48:45
